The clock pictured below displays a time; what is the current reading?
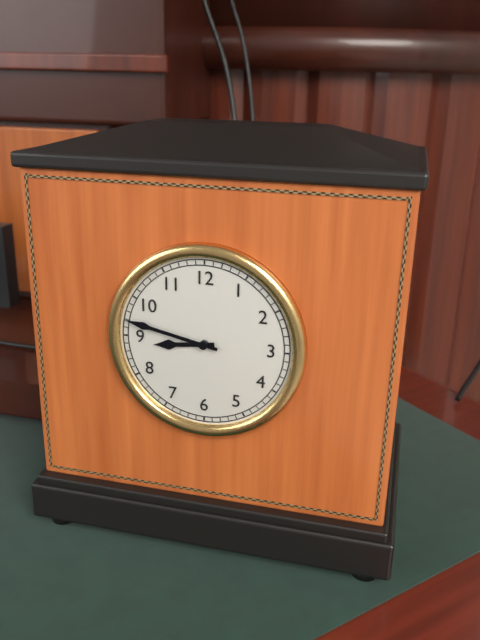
8:47
